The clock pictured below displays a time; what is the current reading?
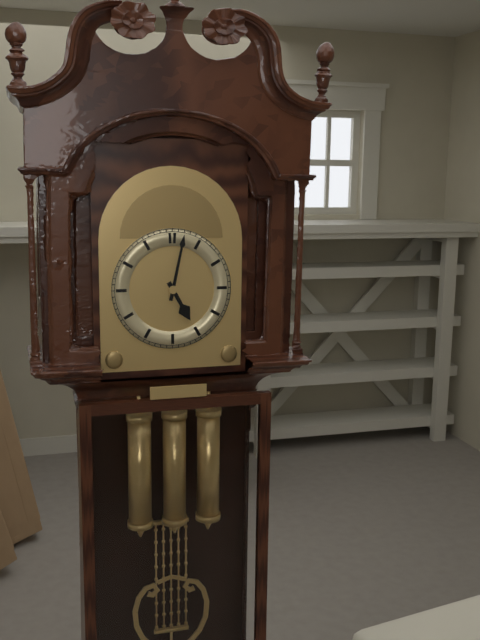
5:02
